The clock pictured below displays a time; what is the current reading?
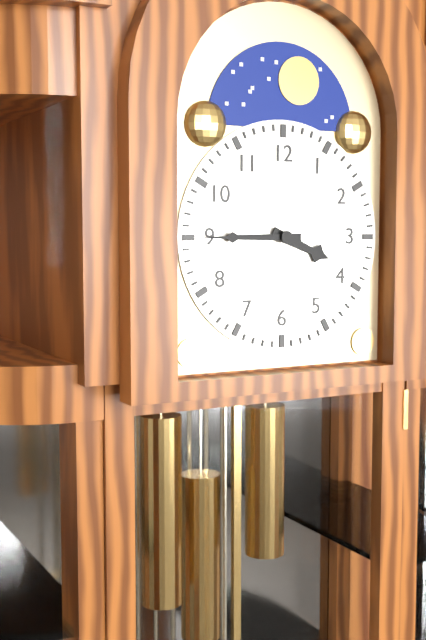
3:45
